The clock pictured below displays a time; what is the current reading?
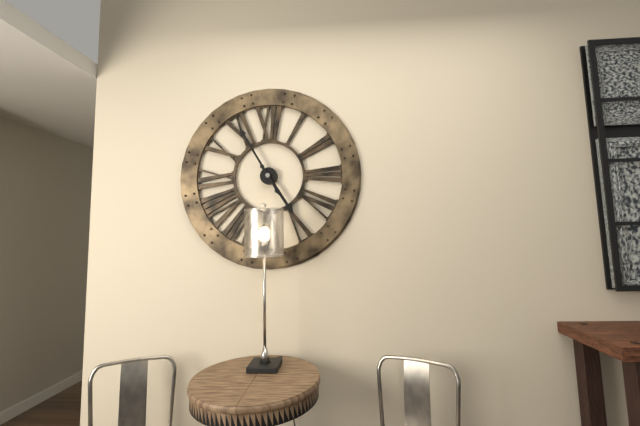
4:55
